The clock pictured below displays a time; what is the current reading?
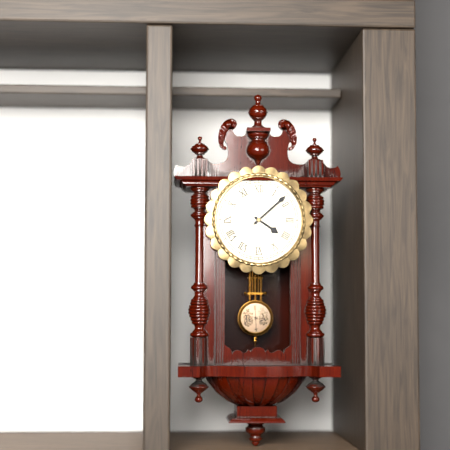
4:08
